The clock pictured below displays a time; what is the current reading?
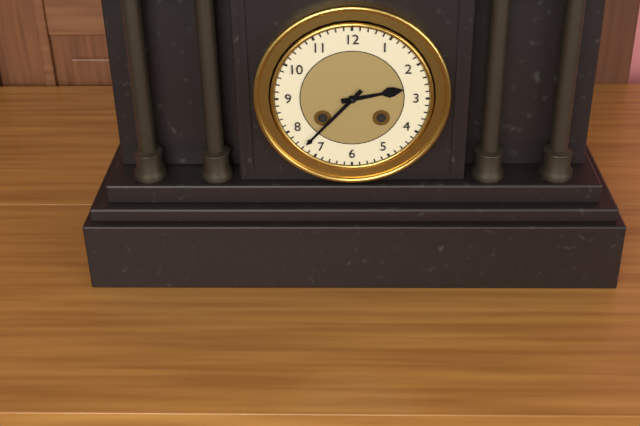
2:37
